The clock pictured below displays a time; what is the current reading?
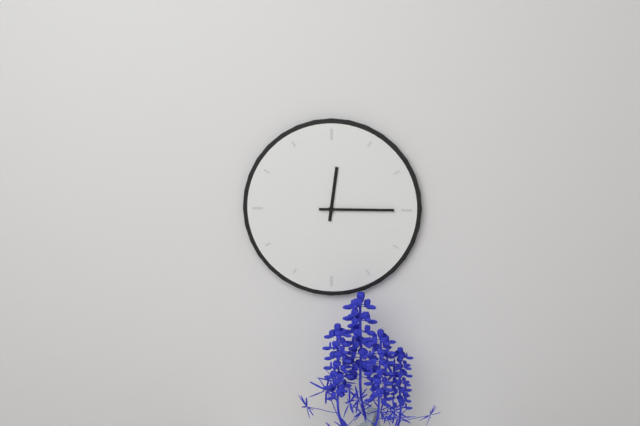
12:15
